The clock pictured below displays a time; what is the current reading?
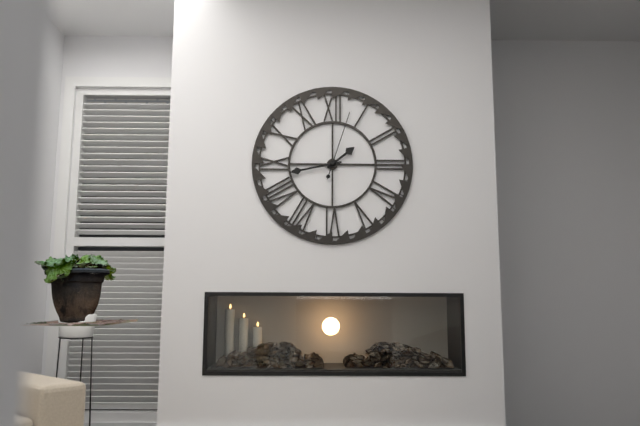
1:43:03
